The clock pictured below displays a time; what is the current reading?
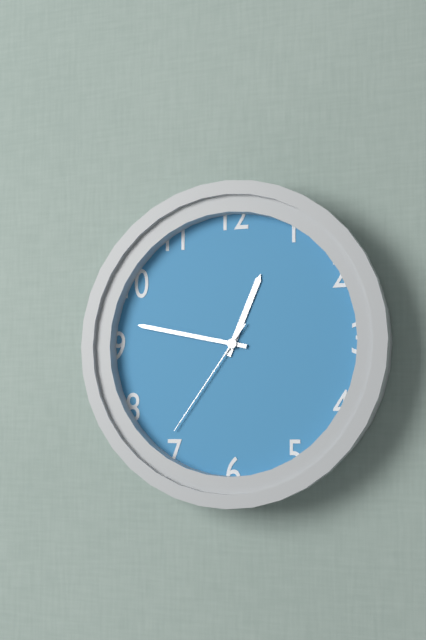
12:47:36
